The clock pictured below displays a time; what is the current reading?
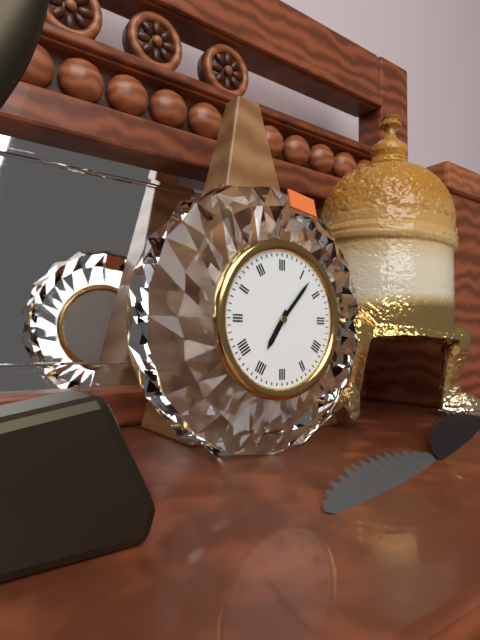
7:07
